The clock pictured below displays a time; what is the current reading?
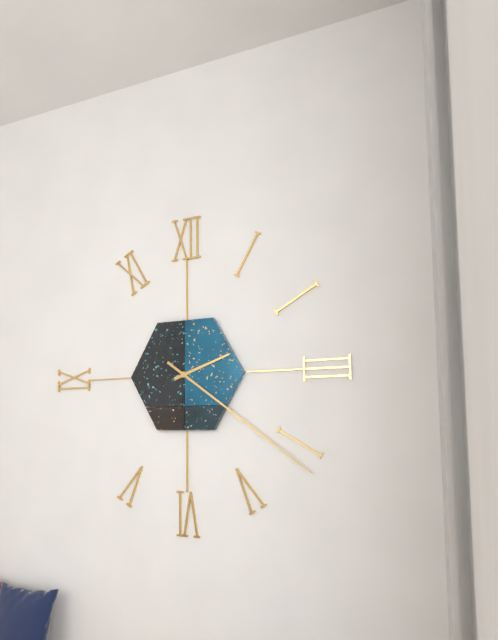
2:21
